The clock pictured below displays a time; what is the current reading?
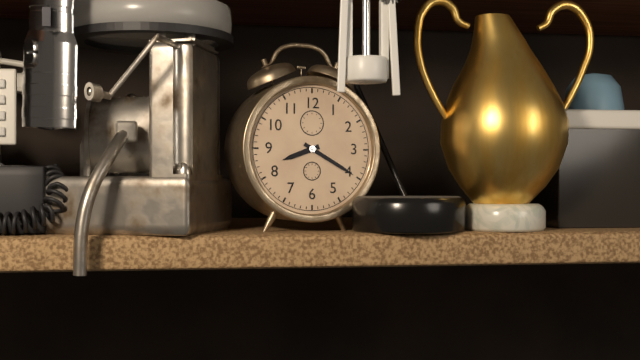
8:20
